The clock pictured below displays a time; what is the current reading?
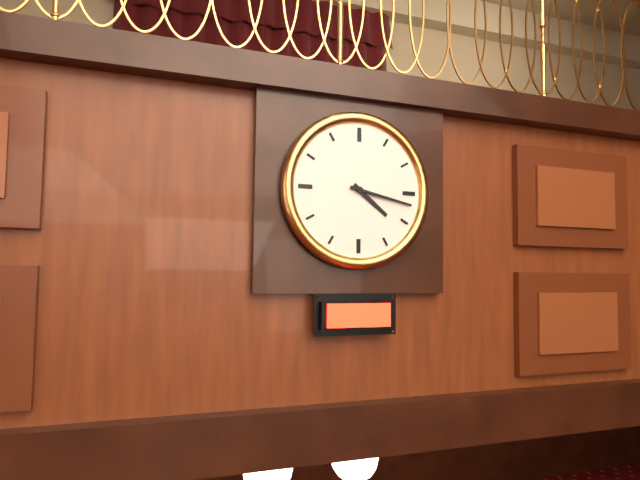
4:17
